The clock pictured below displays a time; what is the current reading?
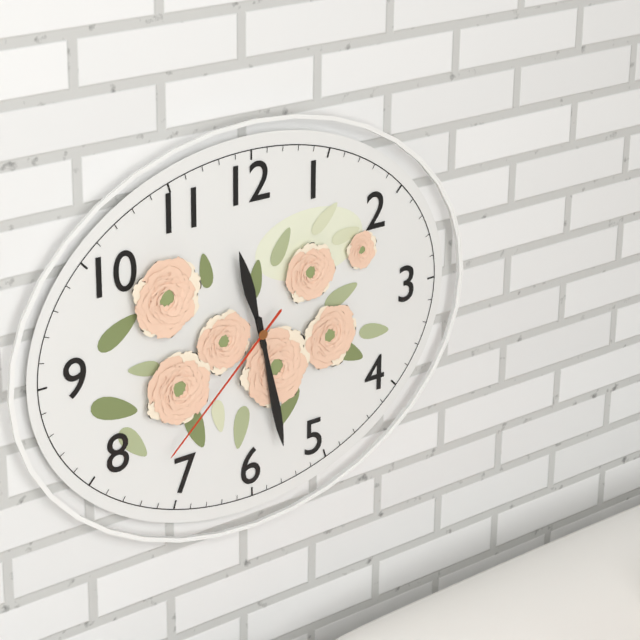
11:28:38
